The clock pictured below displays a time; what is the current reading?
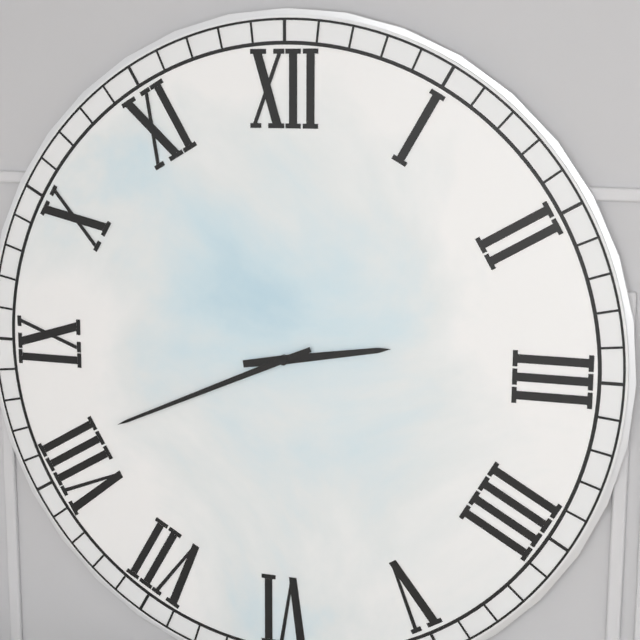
2:41
